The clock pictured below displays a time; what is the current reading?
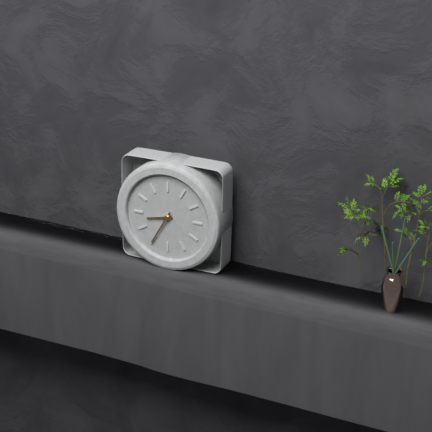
8:35
